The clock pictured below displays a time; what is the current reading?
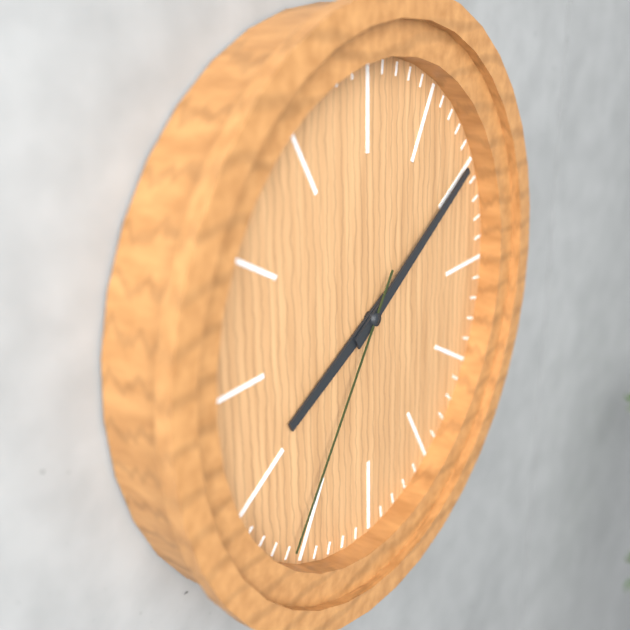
8:10:36
